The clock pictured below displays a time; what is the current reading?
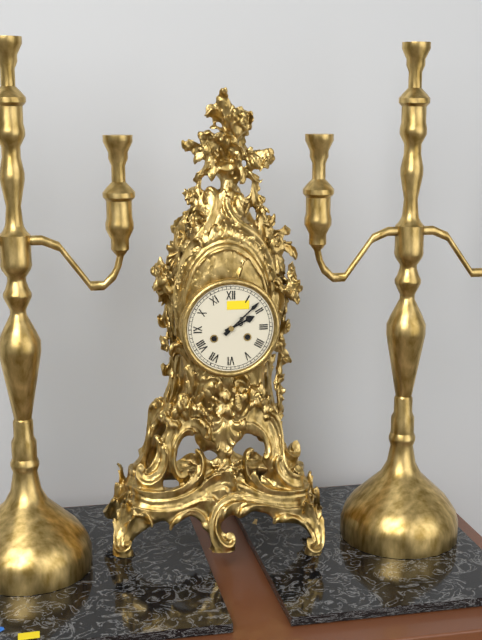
2:08
